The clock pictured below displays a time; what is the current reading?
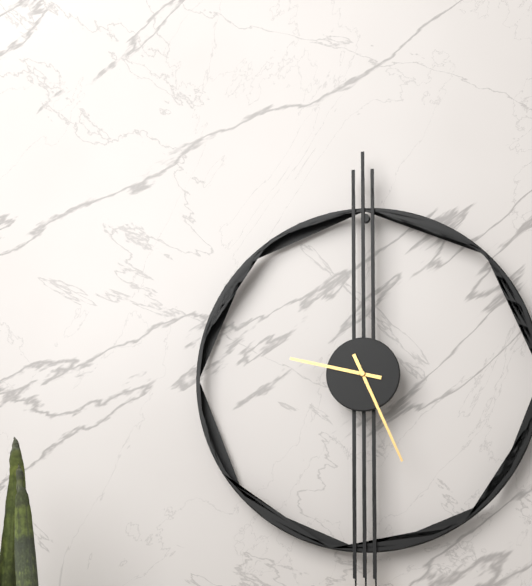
9:26
